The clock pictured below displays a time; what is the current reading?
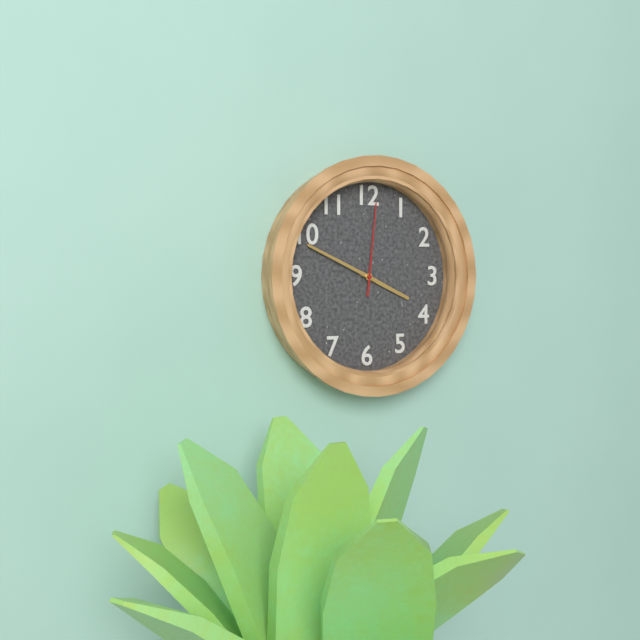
3:49:01
